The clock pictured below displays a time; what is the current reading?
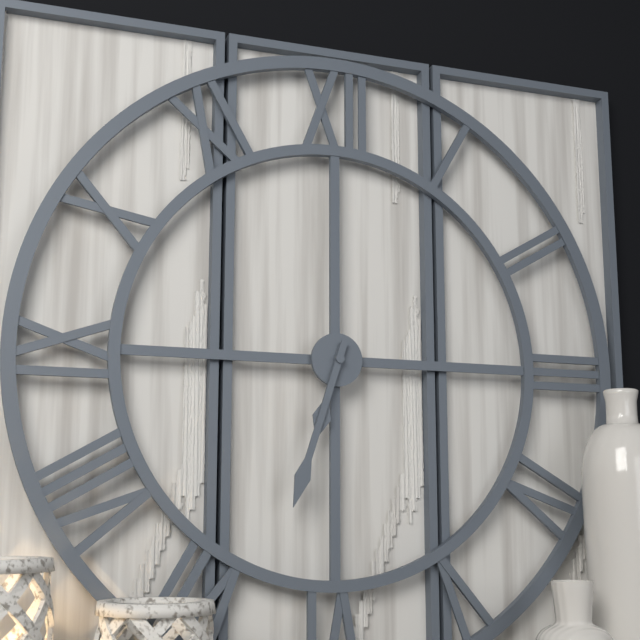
6:33
